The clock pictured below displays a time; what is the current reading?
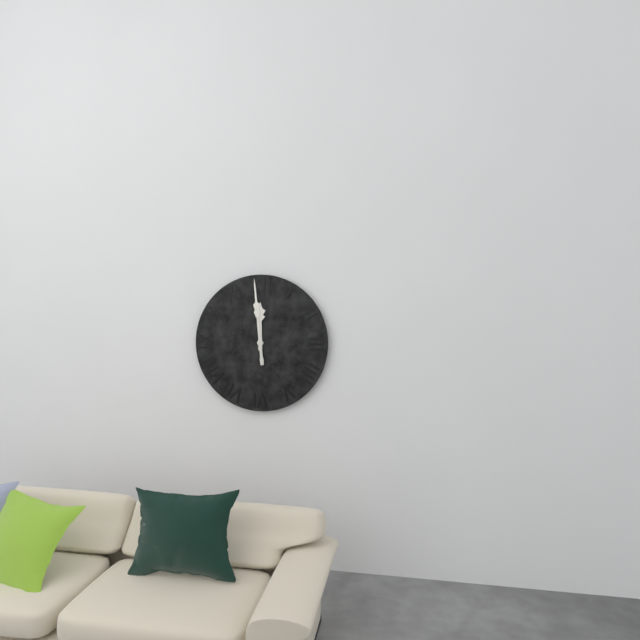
11:59
